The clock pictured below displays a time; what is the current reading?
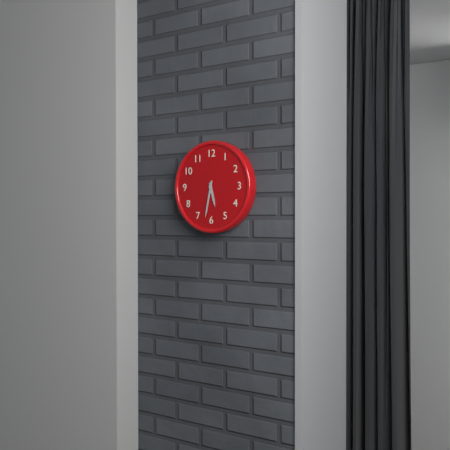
5:32
